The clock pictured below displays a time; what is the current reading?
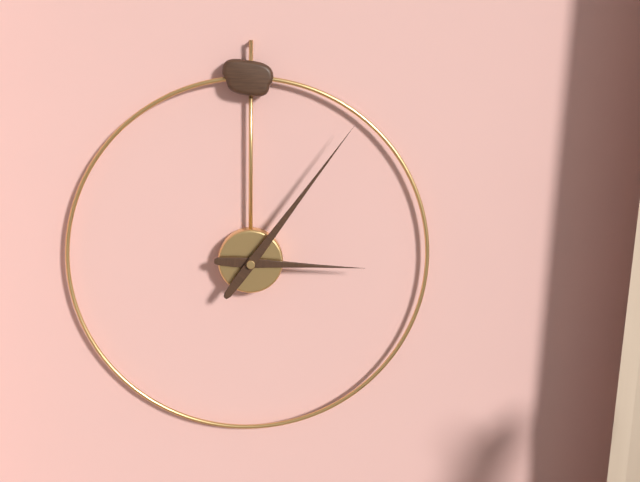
3:06
